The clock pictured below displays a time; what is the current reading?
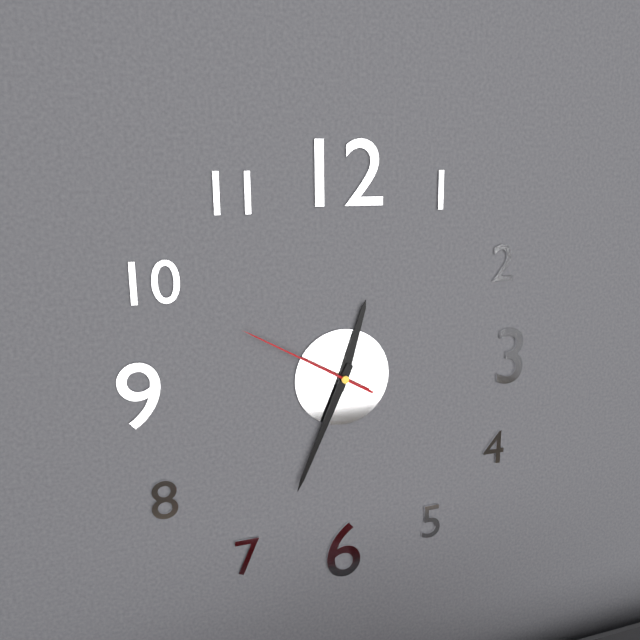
12:34:50
